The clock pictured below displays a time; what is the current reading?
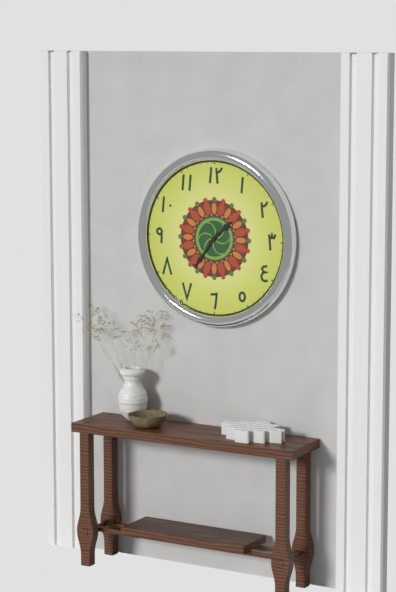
1:36
